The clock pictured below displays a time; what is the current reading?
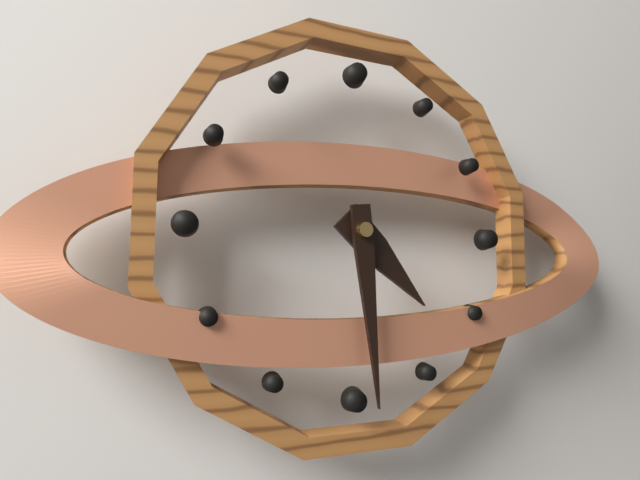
4:29
